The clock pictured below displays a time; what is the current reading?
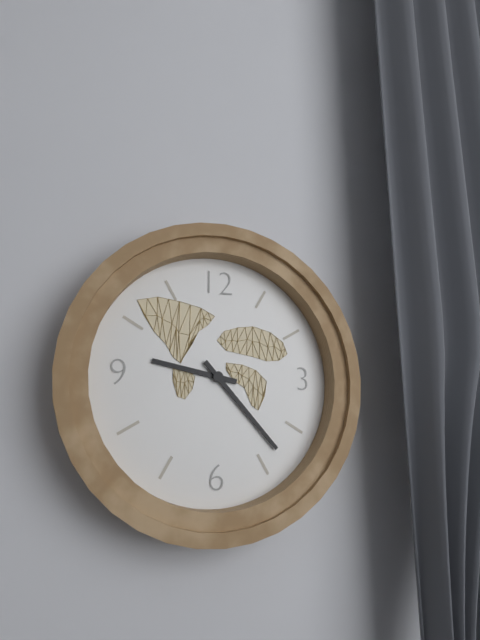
9:23
